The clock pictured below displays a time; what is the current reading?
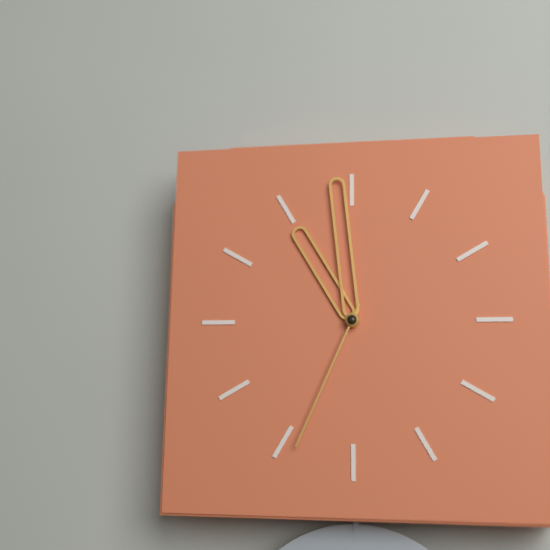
10:59:34
